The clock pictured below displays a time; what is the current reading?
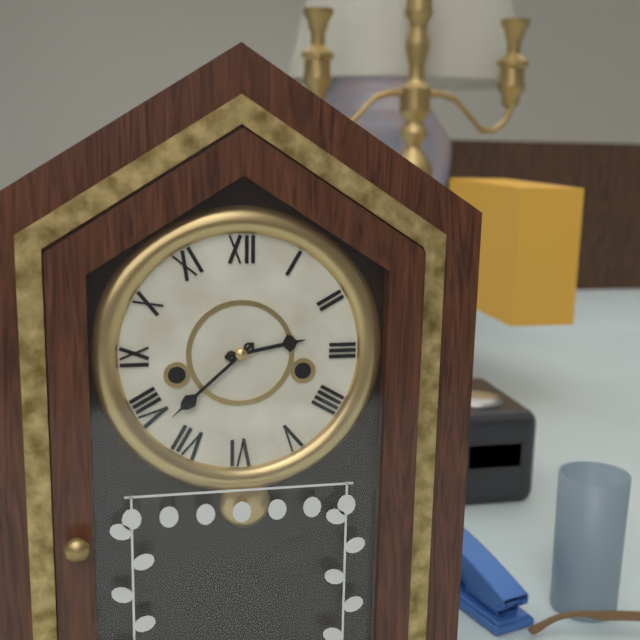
2:38
